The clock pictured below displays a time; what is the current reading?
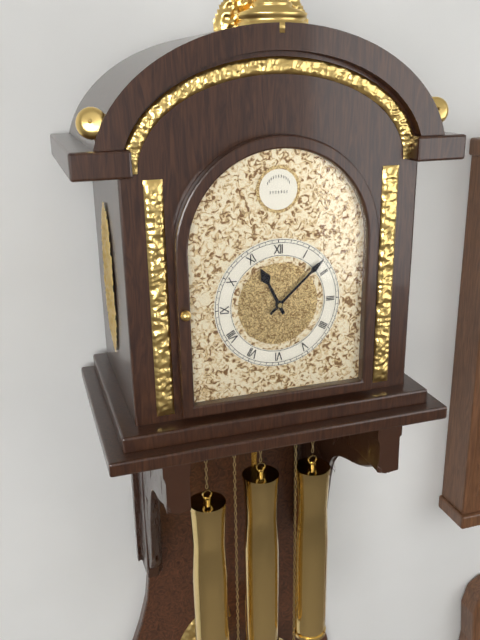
11:08
